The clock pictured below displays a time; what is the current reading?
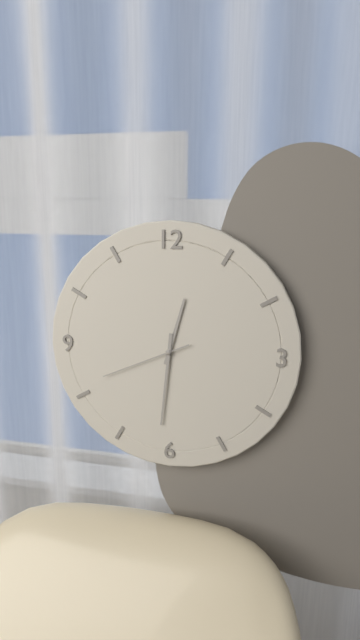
12:31:41
